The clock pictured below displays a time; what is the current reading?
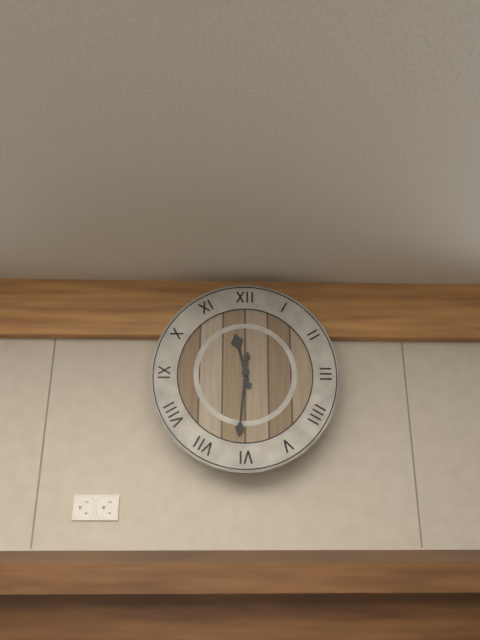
11:31
